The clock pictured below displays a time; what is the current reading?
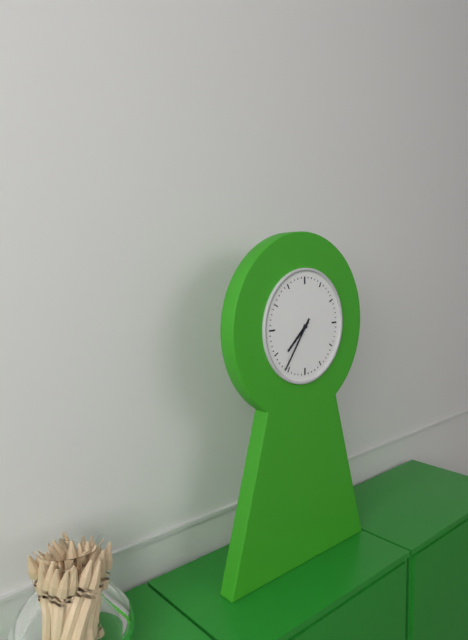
7:36
